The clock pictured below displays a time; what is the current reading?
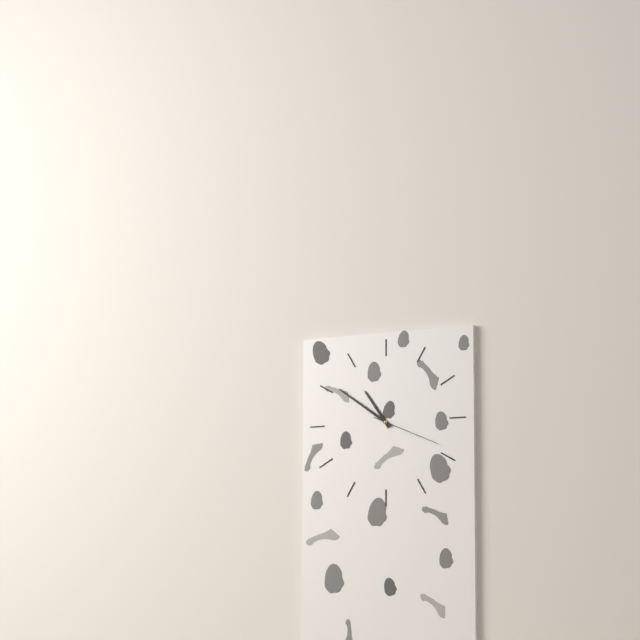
10:51:19
